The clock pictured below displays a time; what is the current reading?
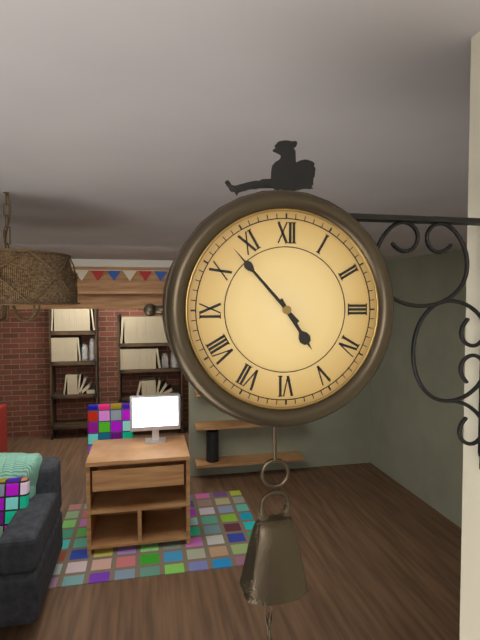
4:53
